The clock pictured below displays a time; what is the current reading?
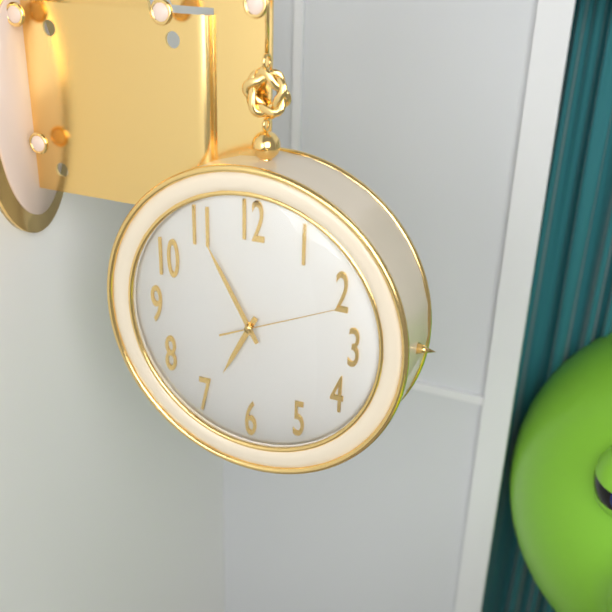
6:55:11
